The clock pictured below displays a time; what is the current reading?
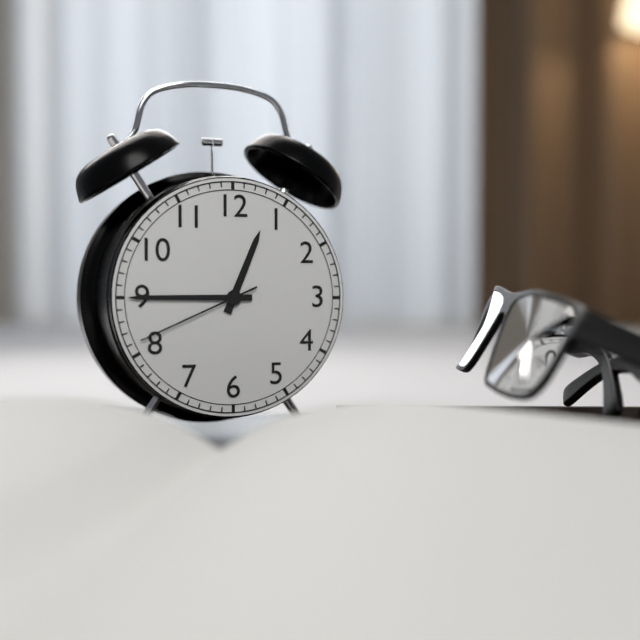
12:45:41
